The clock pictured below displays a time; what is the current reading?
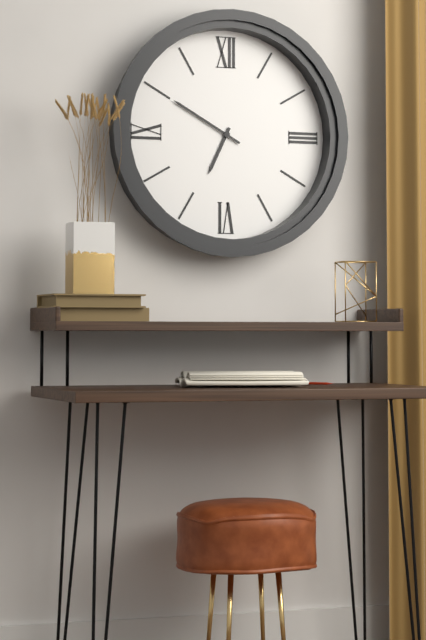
6:50
